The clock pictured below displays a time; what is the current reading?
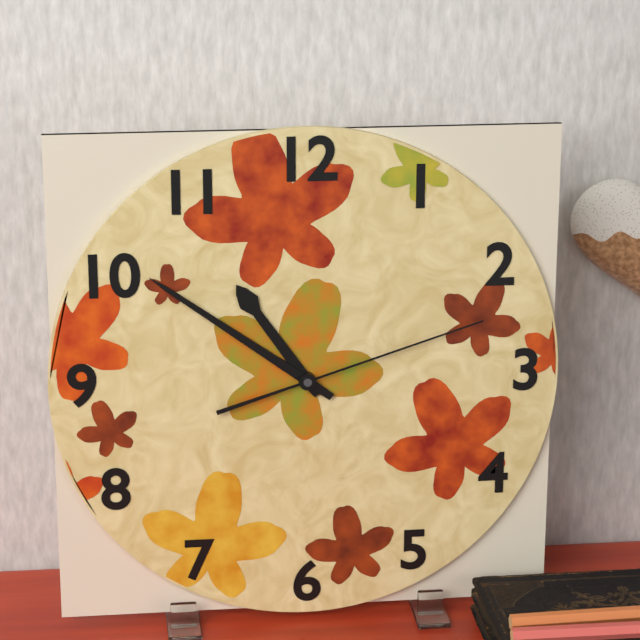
10:51:12
